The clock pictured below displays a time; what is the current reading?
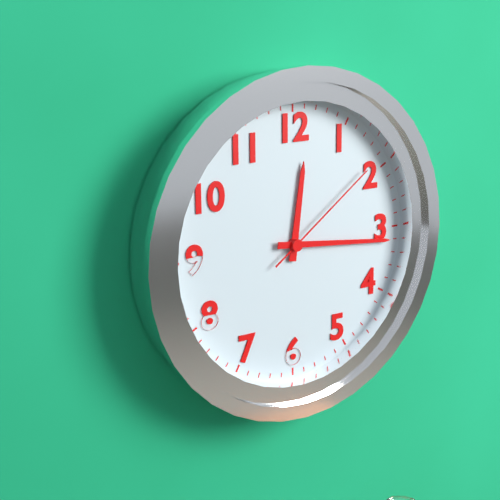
12:16:09
